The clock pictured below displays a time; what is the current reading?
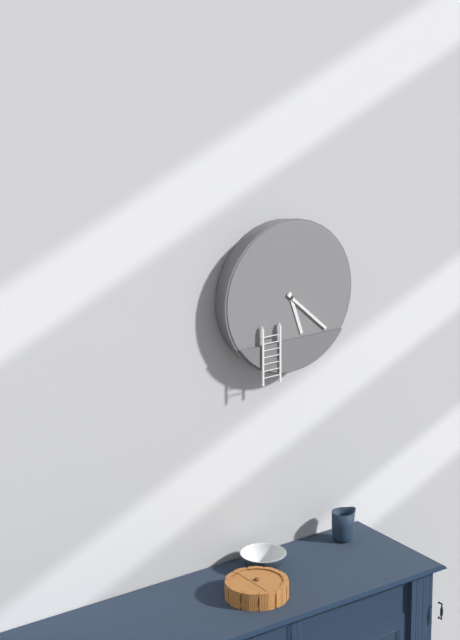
5:22
